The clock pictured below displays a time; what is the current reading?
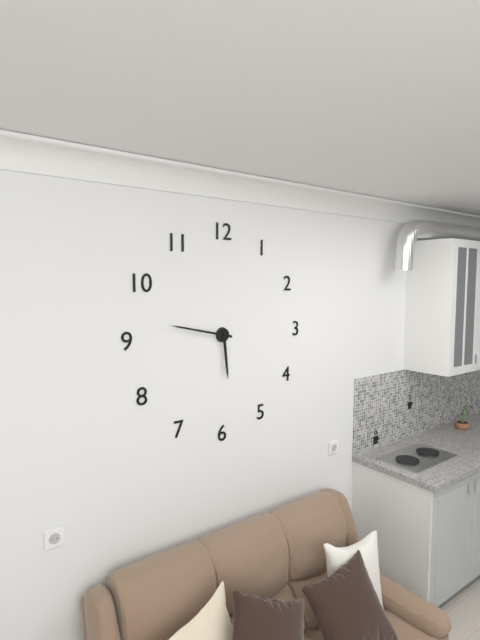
5:47
